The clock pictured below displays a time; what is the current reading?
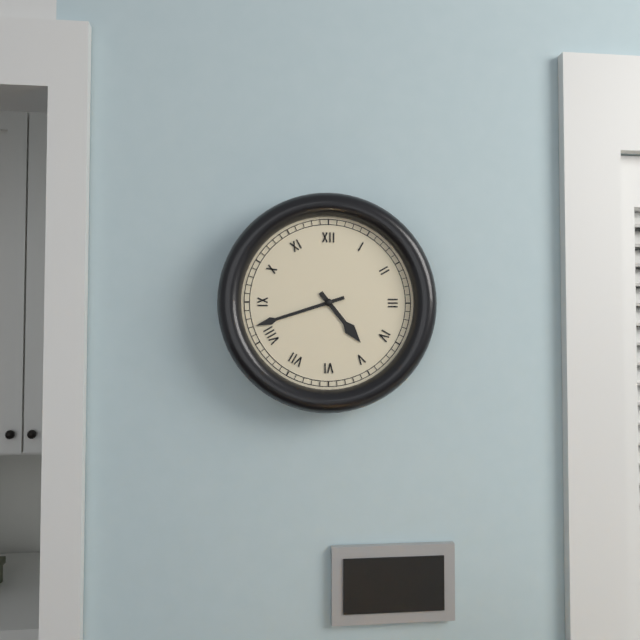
4:42
